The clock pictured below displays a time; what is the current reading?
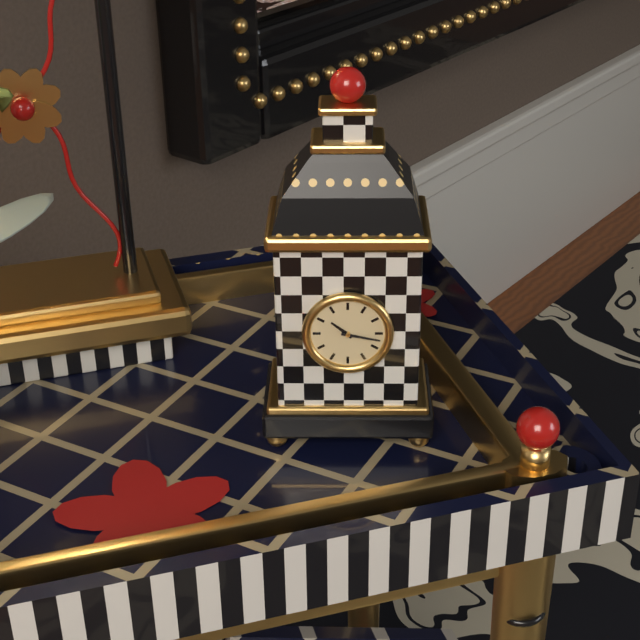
10:17
